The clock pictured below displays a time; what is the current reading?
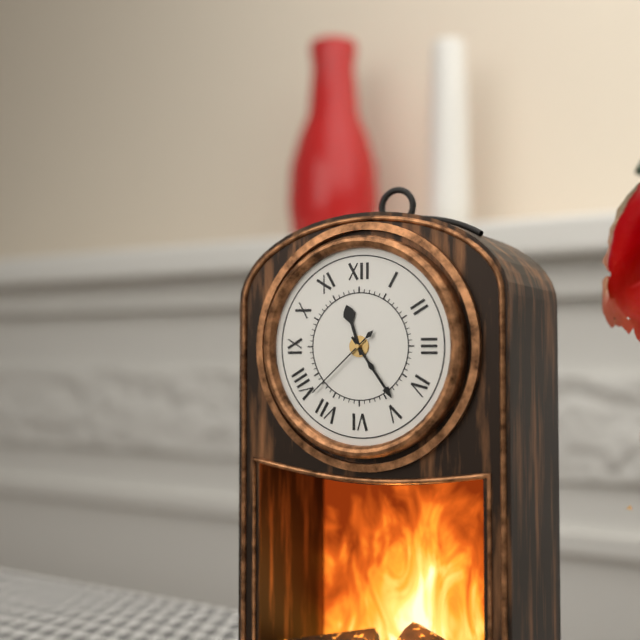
11:24:38
